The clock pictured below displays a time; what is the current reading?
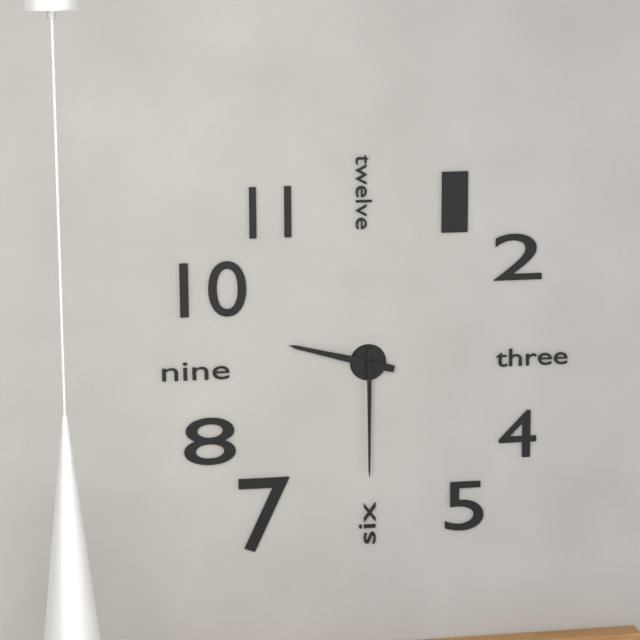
9:30
